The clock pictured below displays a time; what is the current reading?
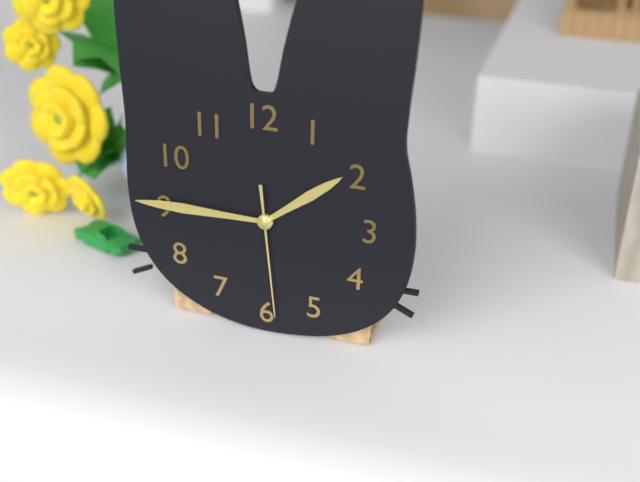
1:45:29
